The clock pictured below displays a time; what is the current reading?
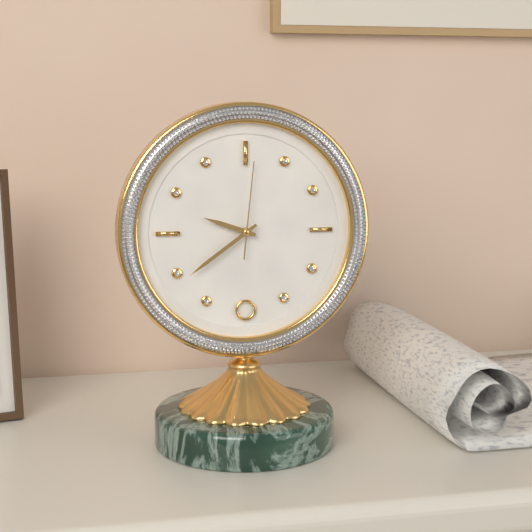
9:39:01
